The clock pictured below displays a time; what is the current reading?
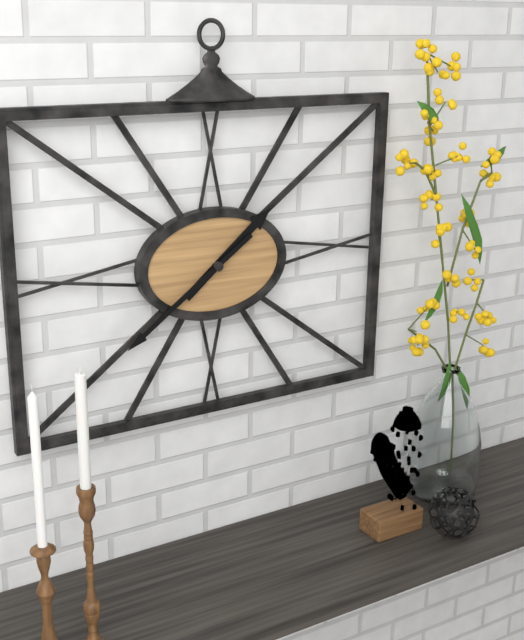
1:39
